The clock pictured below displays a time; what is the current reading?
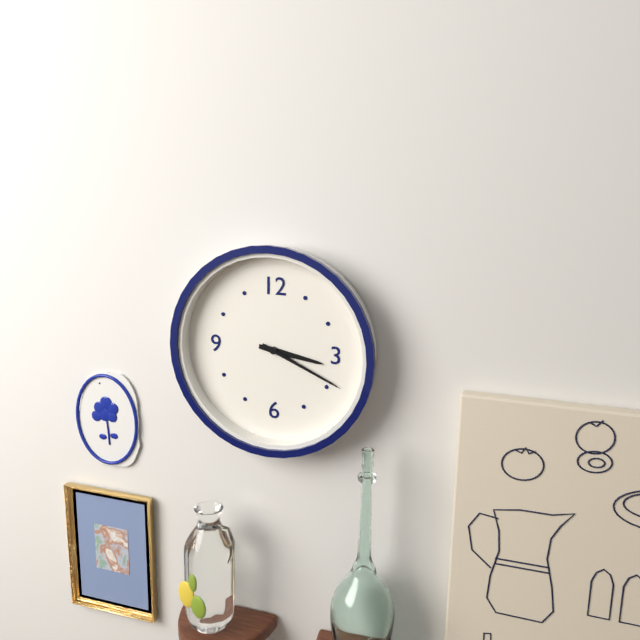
3:19
